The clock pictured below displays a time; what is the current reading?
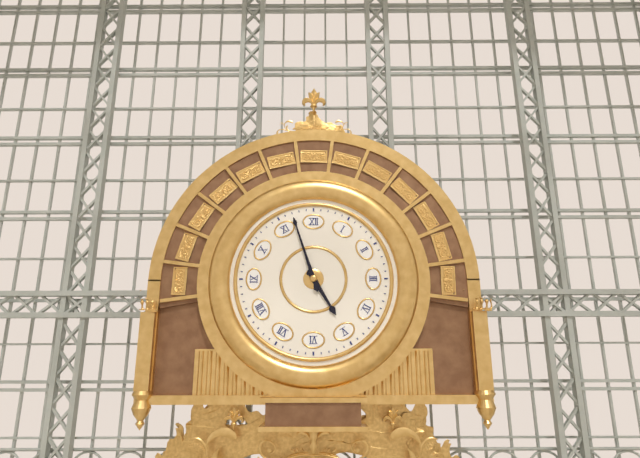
4:57
